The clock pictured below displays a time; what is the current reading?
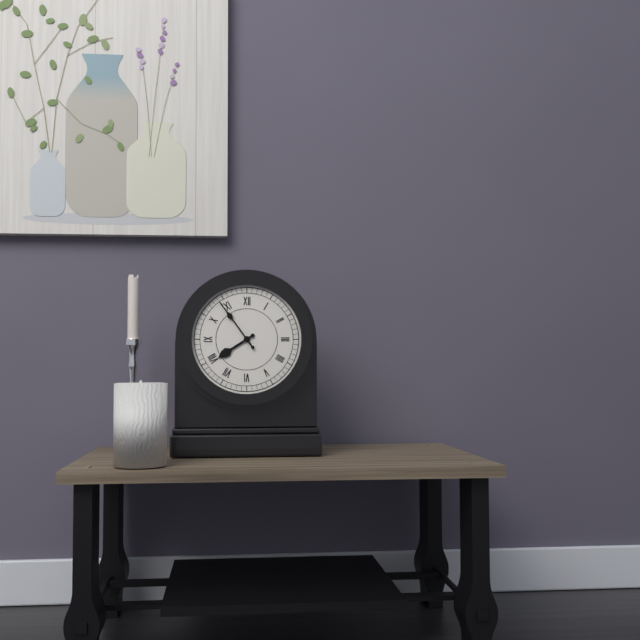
7:54
